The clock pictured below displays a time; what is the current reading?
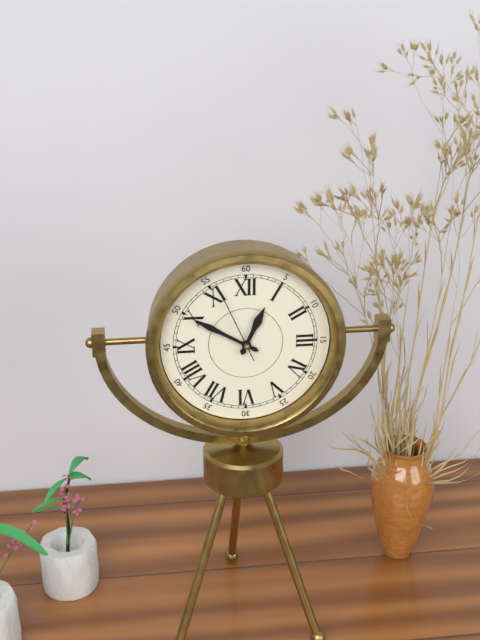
12:50:56
